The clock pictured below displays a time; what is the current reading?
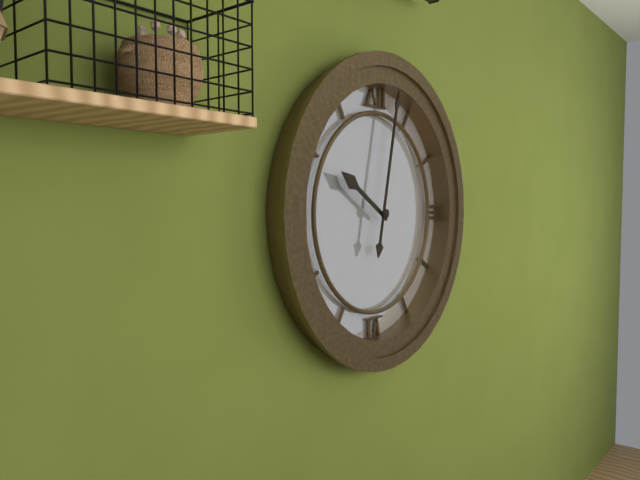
10:02
